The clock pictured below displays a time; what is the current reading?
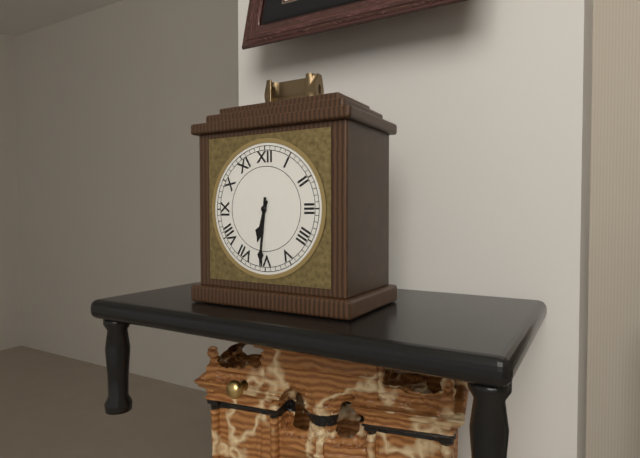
6:31
